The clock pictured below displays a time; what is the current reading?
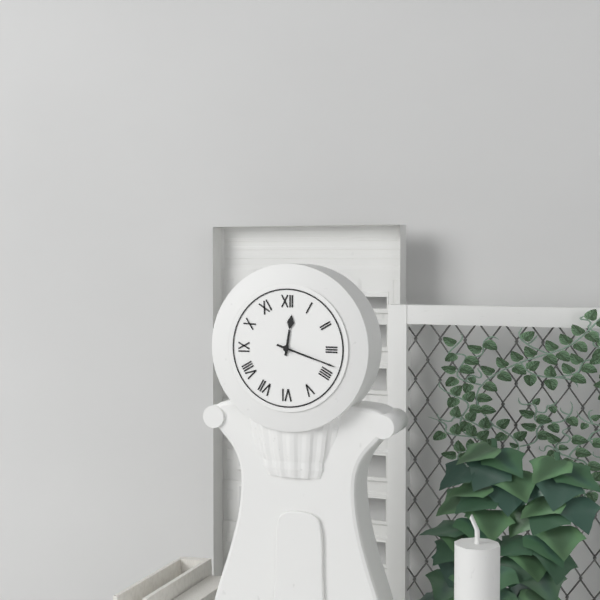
12:18
